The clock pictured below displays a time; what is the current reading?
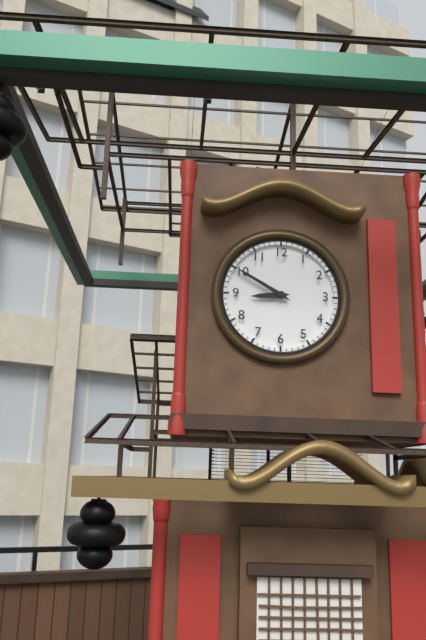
8:50
